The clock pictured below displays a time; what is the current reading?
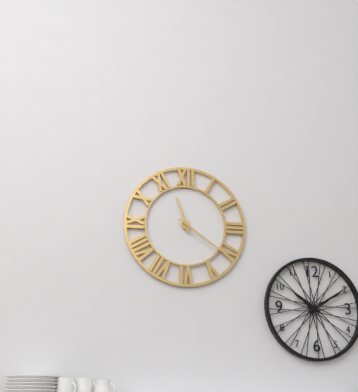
11:21
